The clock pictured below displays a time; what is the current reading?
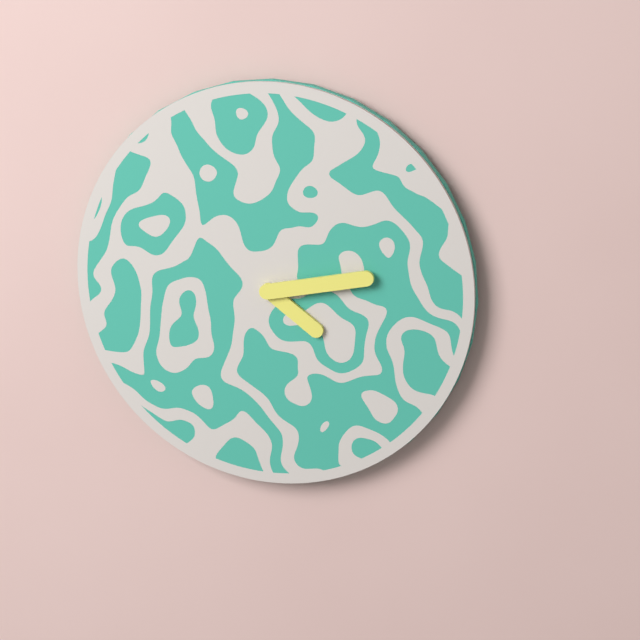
4:13
